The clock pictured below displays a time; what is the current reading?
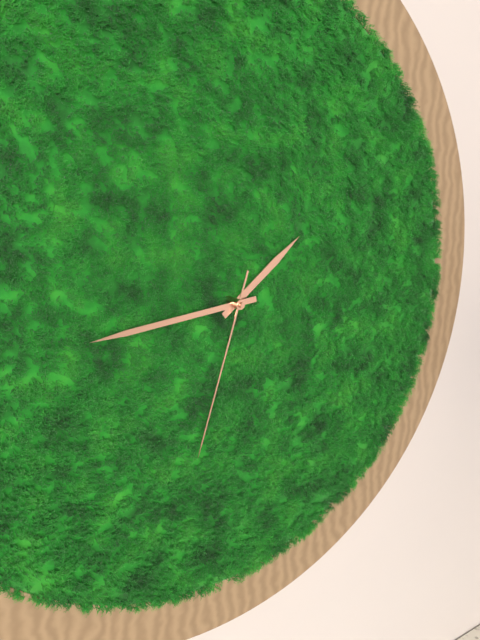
1:44:33
